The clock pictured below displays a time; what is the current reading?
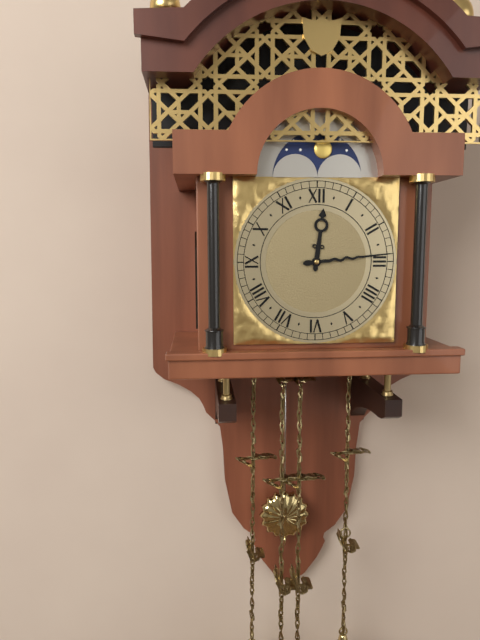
12:14
